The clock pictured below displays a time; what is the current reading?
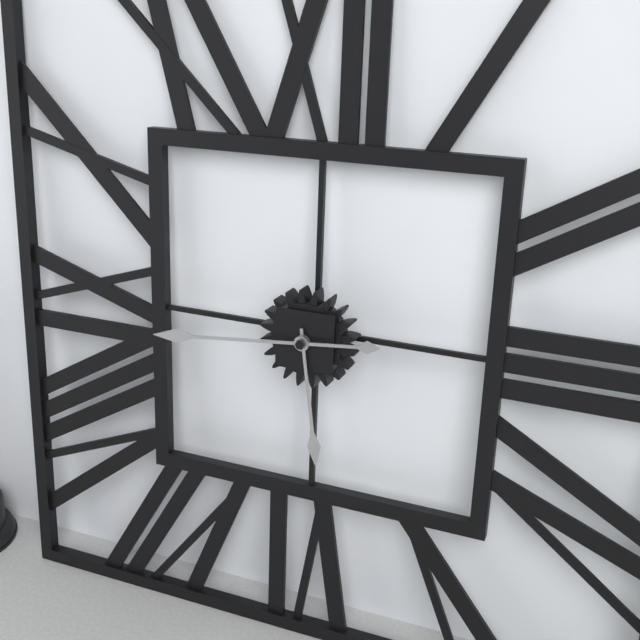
5:44
